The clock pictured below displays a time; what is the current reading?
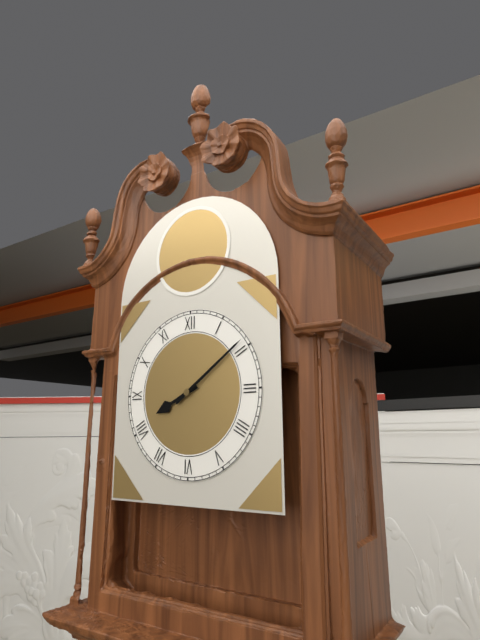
8:09
